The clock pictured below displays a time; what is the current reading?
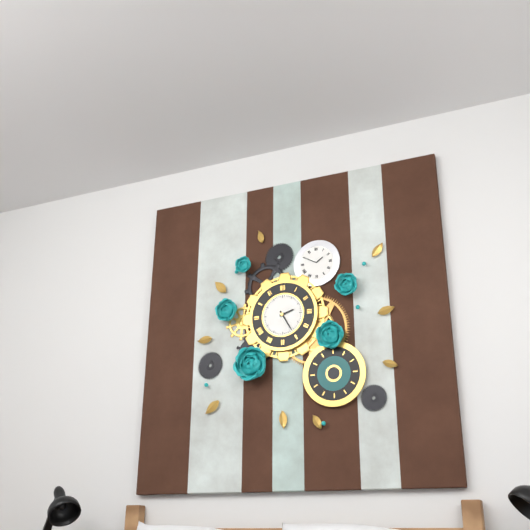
2:25
